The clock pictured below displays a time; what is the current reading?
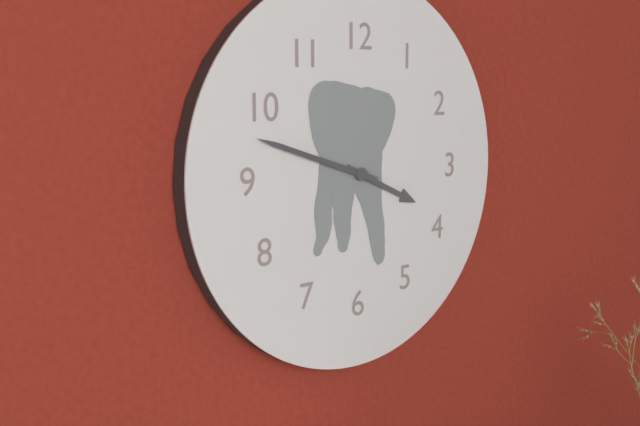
3:48
